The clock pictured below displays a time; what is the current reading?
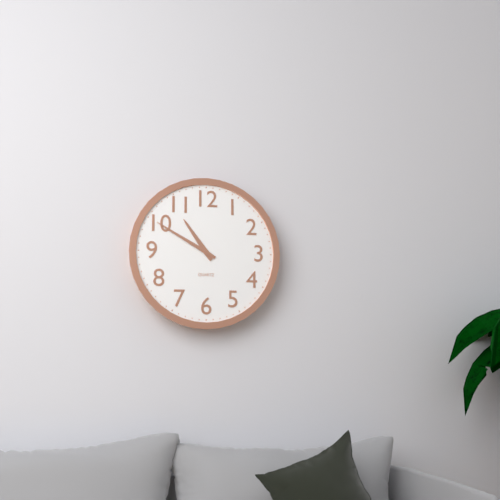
10:50
